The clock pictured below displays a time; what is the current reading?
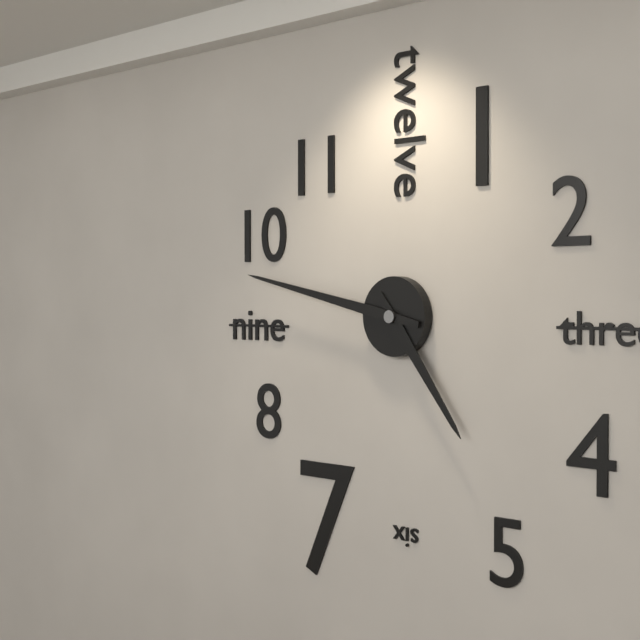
4:47
